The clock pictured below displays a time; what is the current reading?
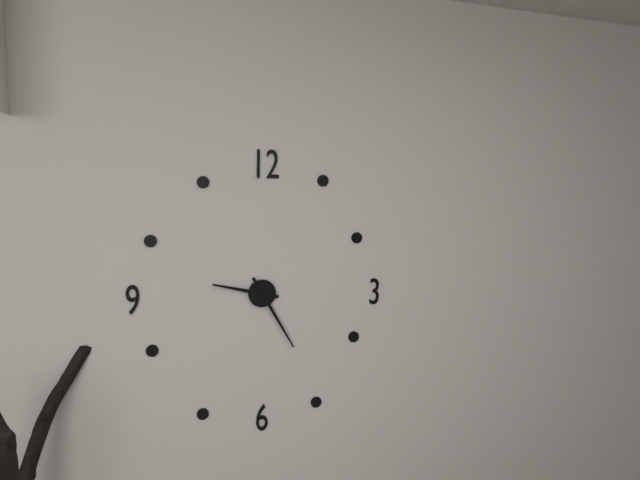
9:25
